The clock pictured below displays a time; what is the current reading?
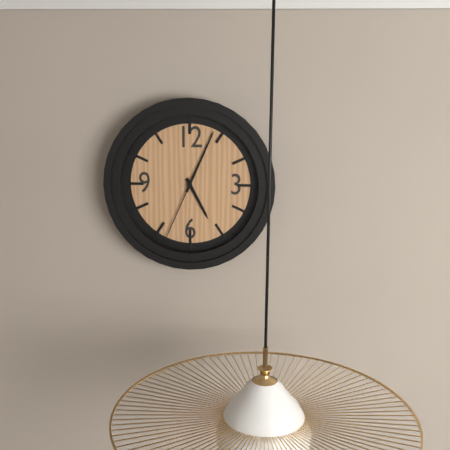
5:04:34
